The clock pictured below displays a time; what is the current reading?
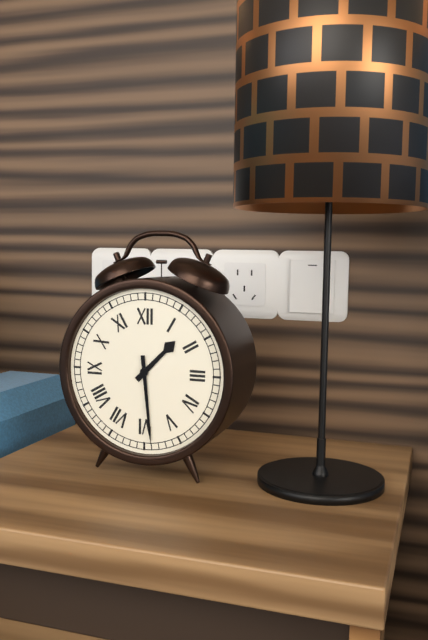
1:29
